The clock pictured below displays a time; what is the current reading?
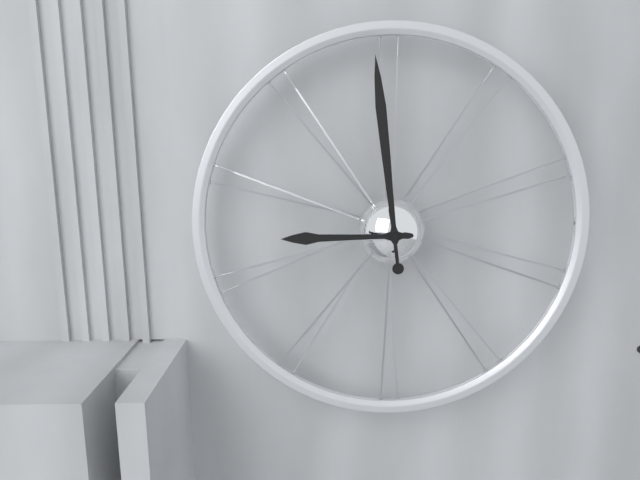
8:59
